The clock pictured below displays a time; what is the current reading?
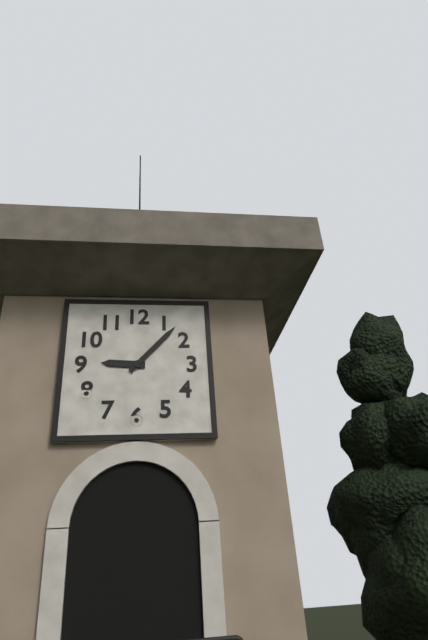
9:07
